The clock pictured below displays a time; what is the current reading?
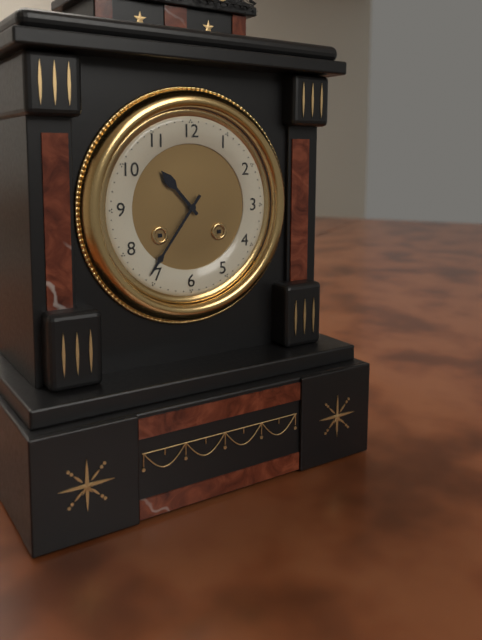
10:36
